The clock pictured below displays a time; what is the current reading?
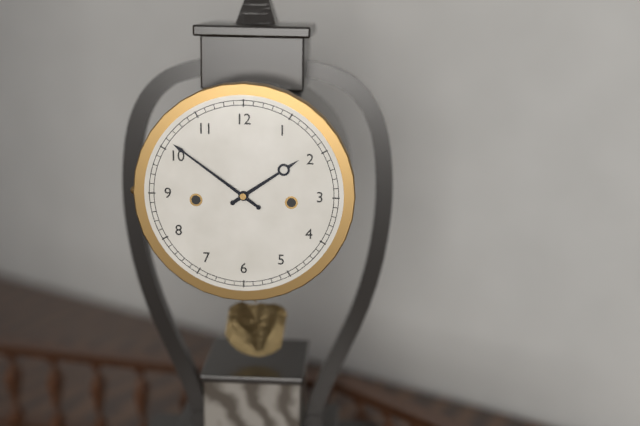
1:51
